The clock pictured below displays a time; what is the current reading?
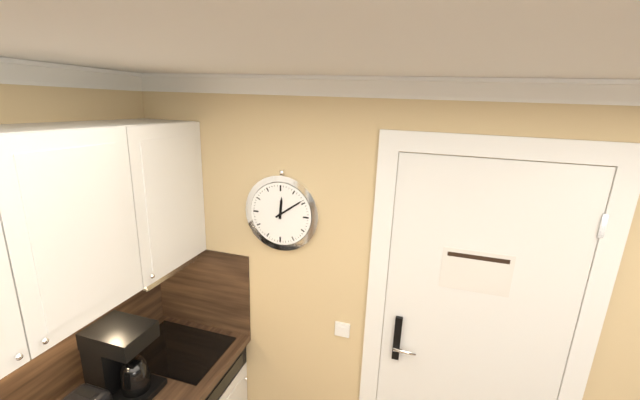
12:09
